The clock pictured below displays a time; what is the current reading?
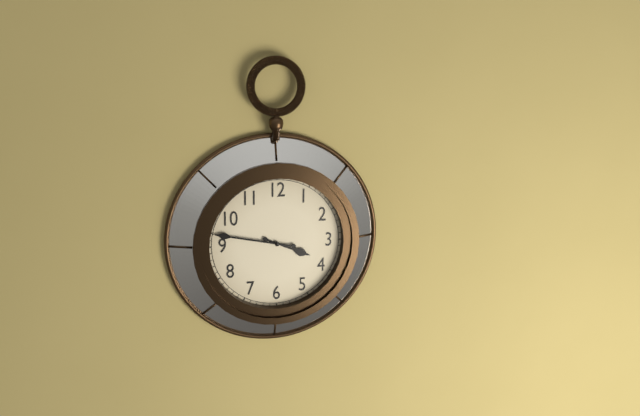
3:47
